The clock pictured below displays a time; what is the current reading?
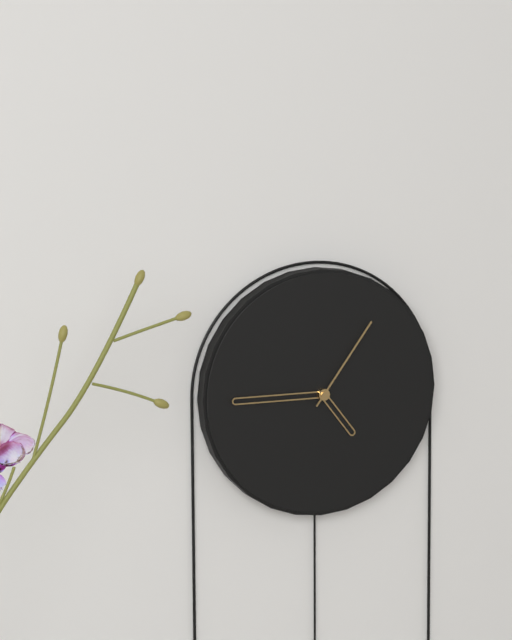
4:45:06
